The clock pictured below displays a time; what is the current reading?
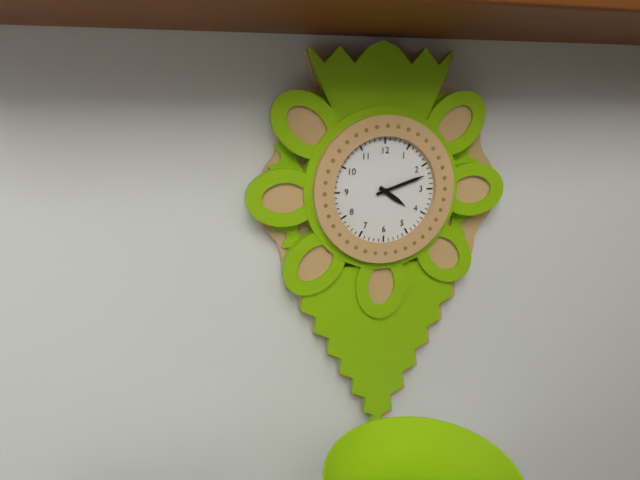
4:12
